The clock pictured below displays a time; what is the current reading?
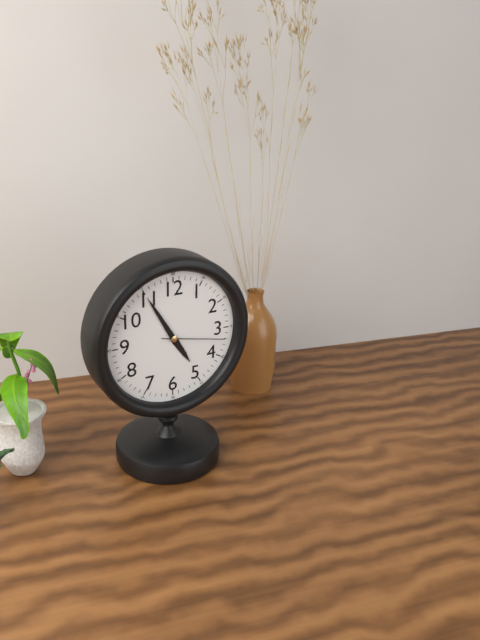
4:55:17
